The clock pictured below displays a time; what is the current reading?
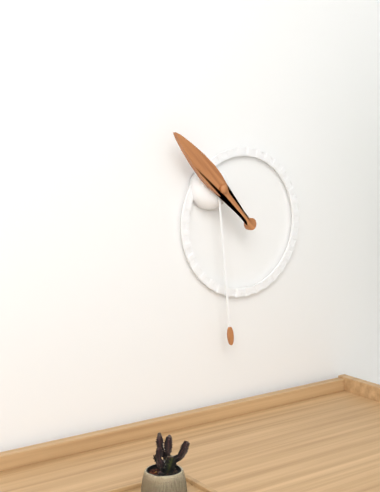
10:29
